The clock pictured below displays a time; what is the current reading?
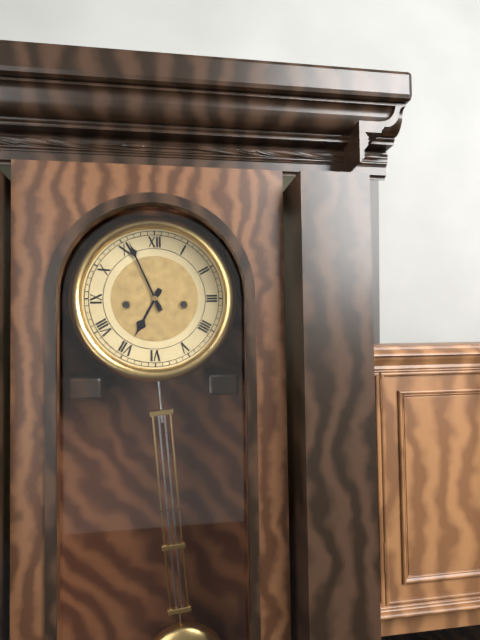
6:56
